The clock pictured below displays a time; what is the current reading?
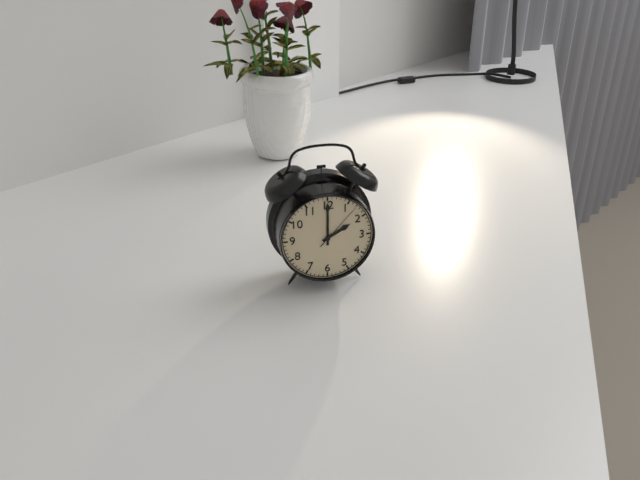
2:00:07
